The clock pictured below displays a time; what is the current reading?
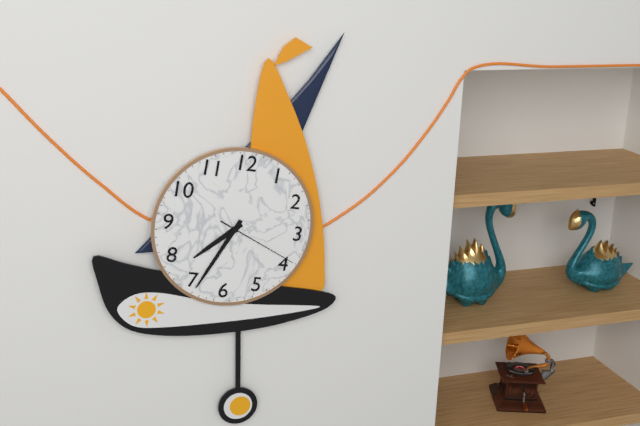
7:34:19
